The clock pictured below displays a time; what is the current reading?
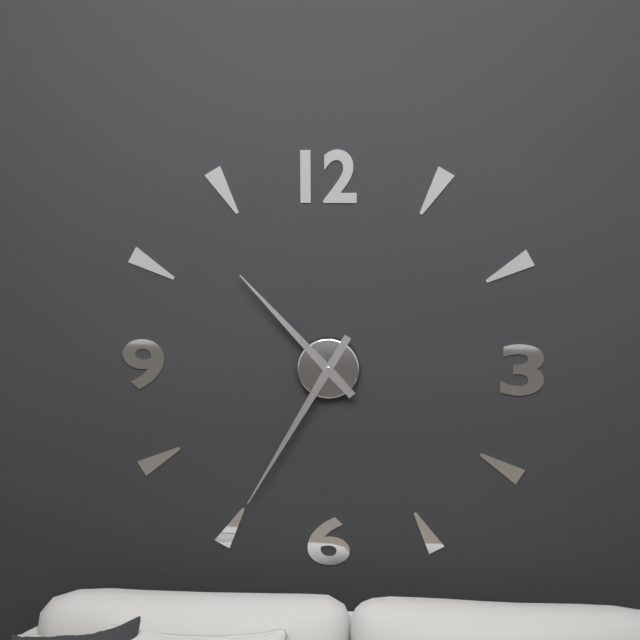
10:35
